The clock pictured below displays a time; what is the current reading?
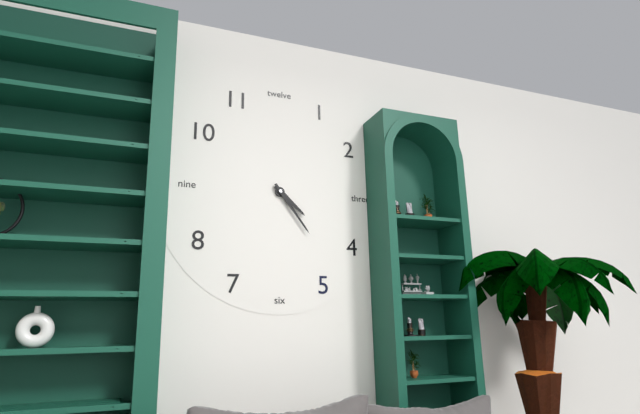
4:24
